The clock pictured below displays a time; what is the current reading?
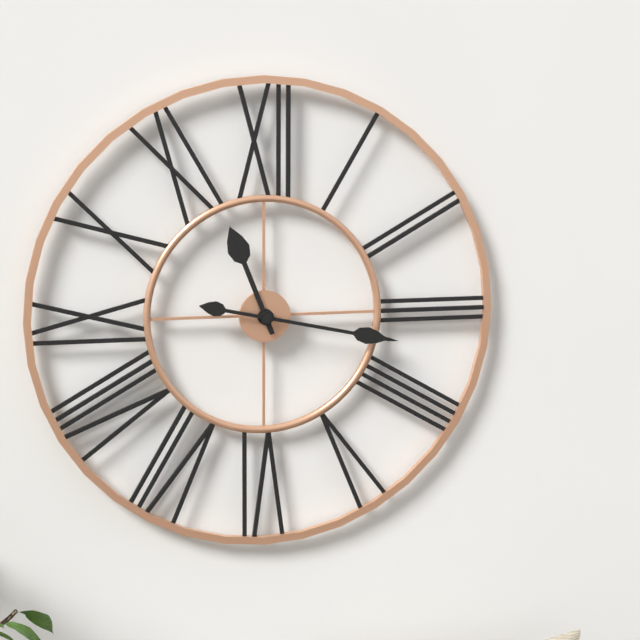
11:17
